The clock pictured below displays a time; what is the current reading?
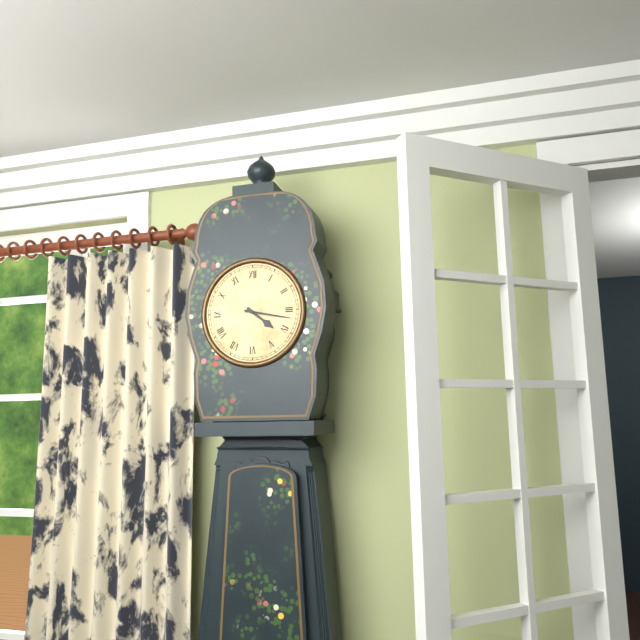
4:17
